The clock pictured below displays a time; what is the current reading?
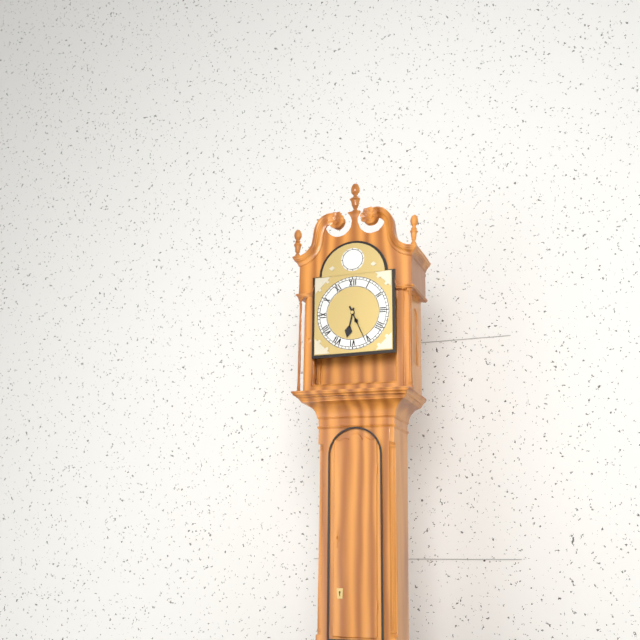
6:26
